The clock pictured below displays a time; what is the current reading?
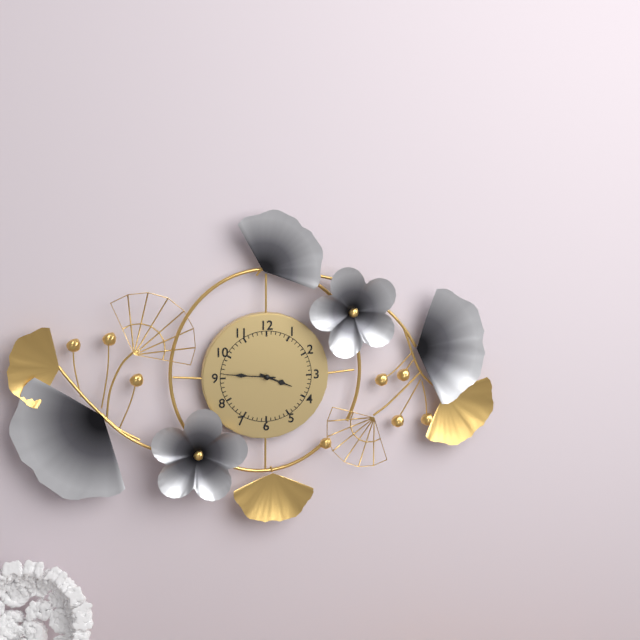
3:46
